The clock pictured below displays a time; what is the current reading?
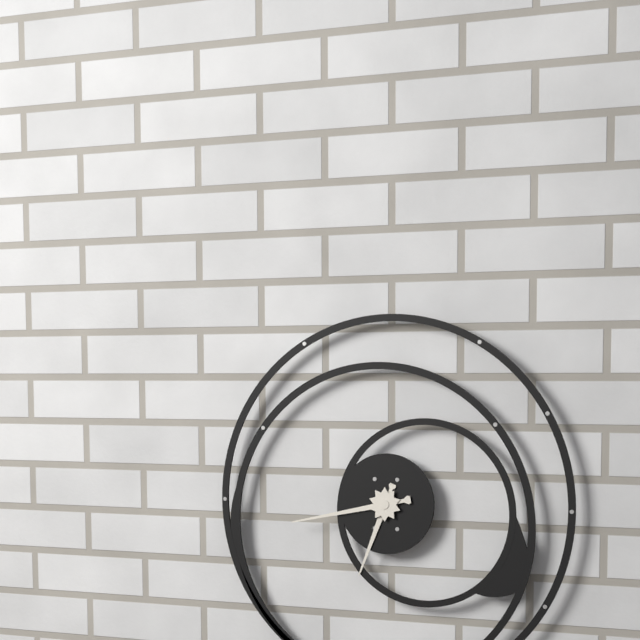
6:43
